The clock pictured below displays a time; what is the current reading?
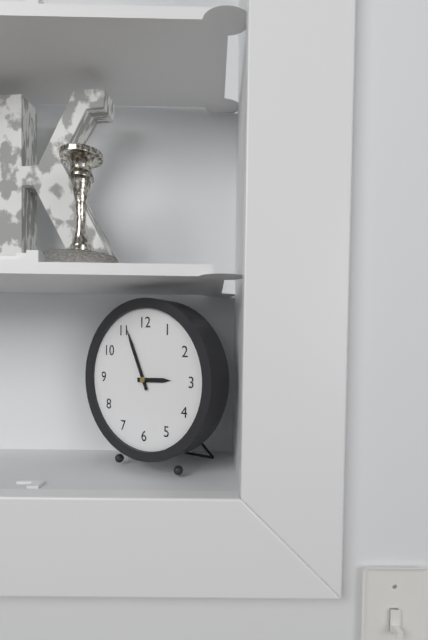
2:56
